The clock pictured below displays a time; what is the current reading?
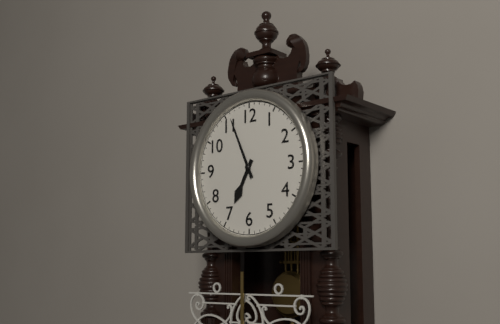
6:56
